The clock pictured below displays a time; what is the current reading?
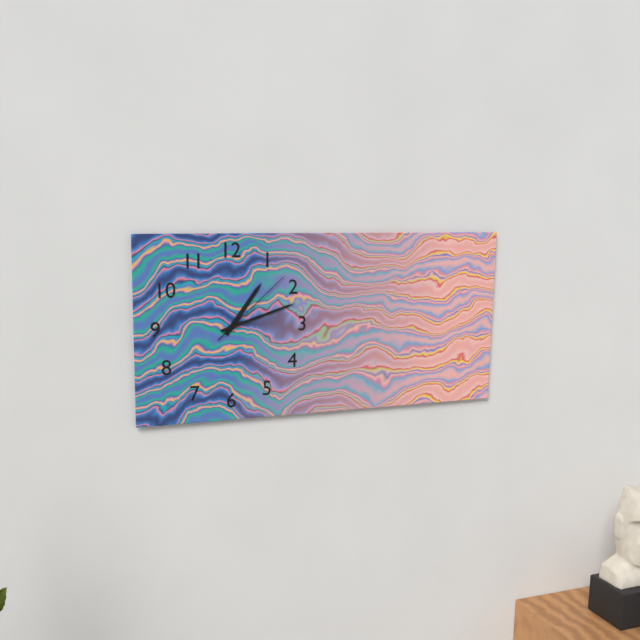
1:12:08
